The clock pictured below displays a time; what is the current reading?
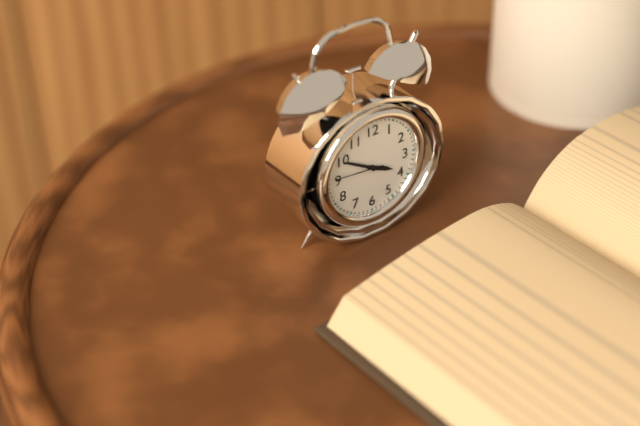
3:50
